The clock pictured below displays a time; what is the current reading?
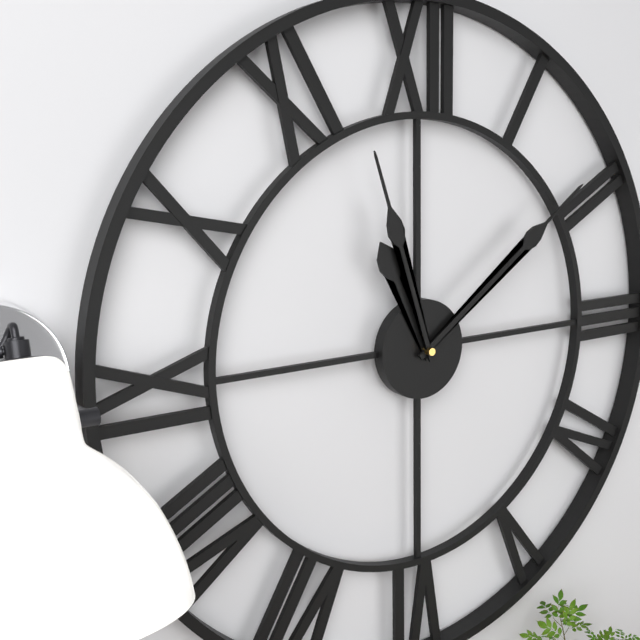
11:09:57
